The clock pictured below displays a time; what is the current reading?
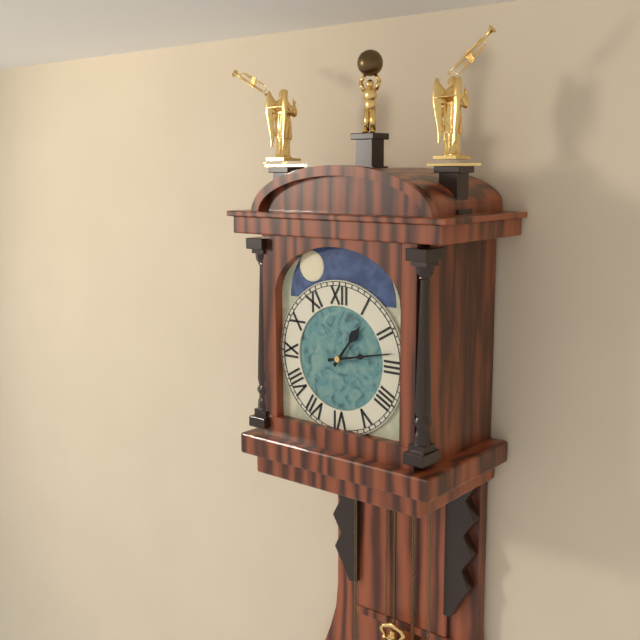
1:13
